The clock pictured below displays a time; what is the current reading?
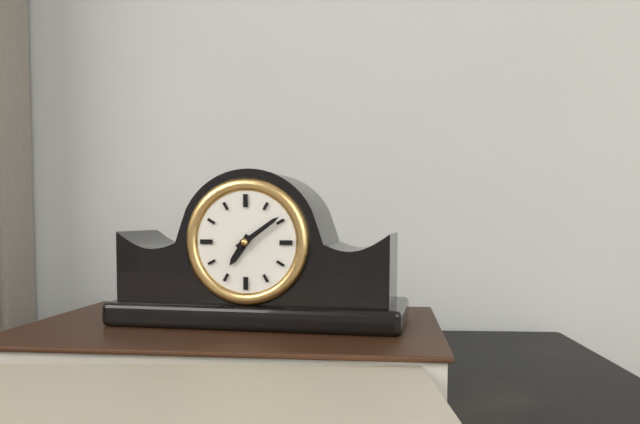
7:09
